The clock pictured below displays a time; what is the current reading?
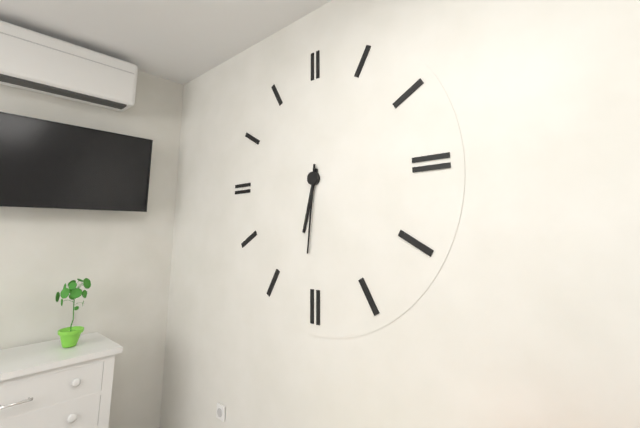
6:31
